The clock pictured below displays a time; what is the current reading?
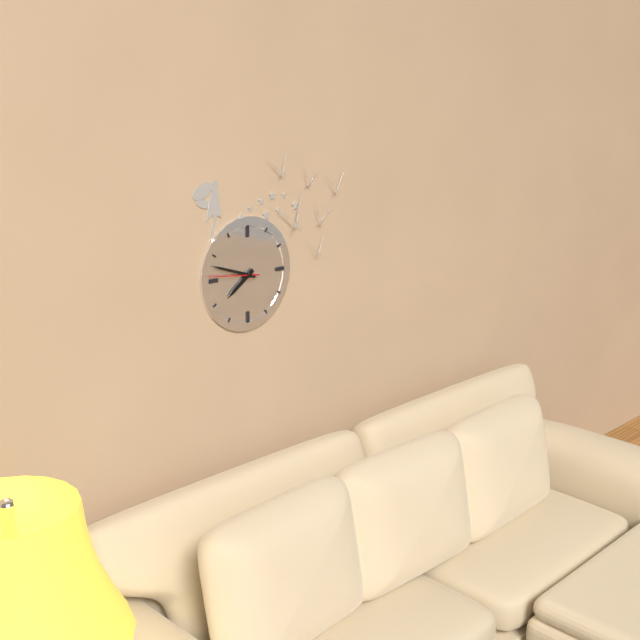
7:48:46
